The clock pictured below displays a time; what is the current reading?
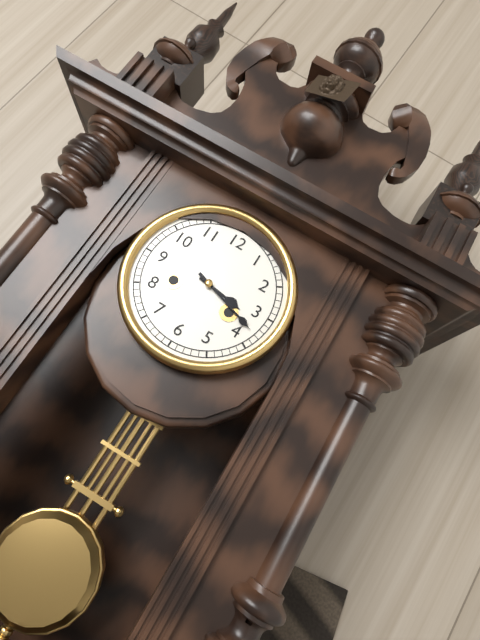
3:18
